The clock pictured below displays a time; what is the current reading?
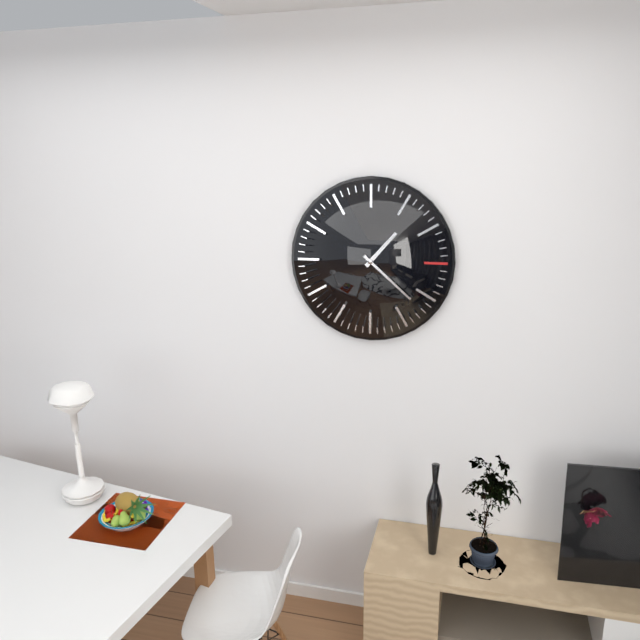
1:22
